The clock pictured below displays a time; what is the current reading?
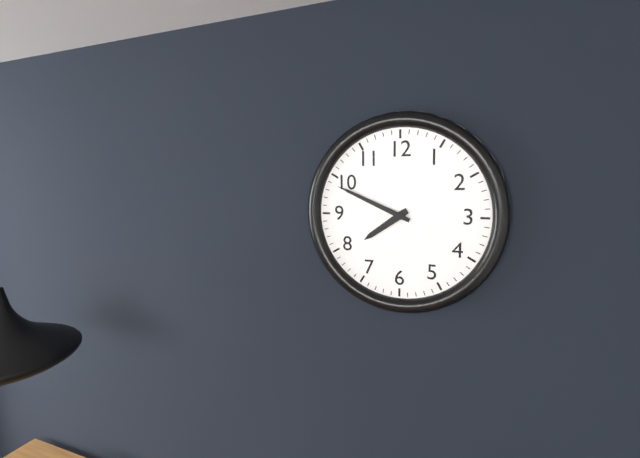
7:49
